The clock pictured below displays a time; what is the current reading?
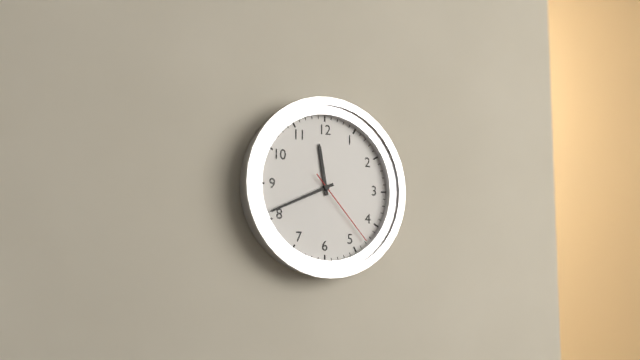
11:41:23
